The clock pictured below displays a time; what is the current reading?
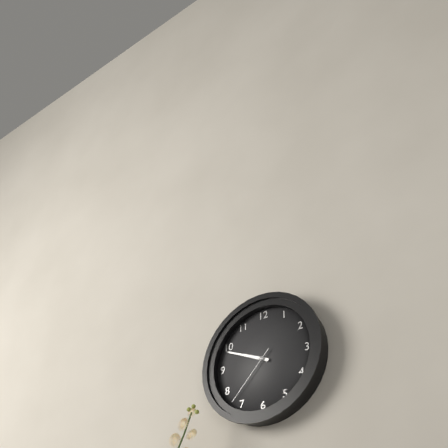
9:49:37
